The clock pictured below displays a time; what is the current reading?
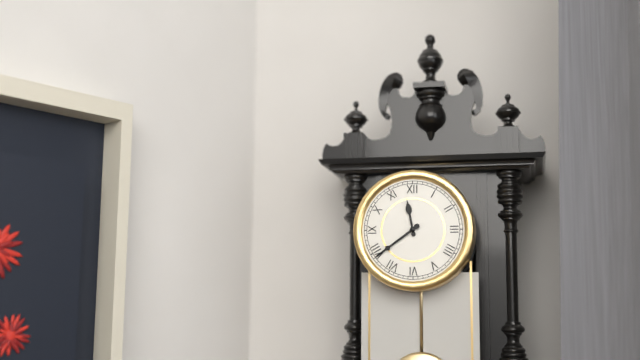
11:39
